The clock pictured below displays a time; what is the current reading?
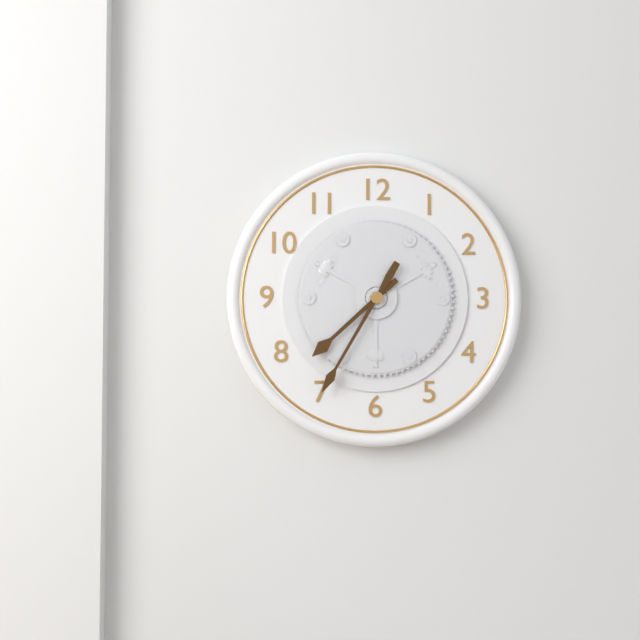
7:35
